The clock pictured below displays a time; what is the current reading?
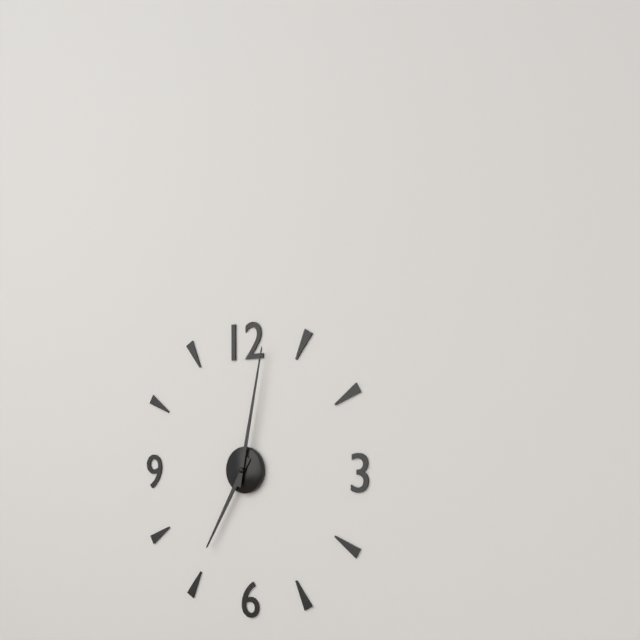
7:02
